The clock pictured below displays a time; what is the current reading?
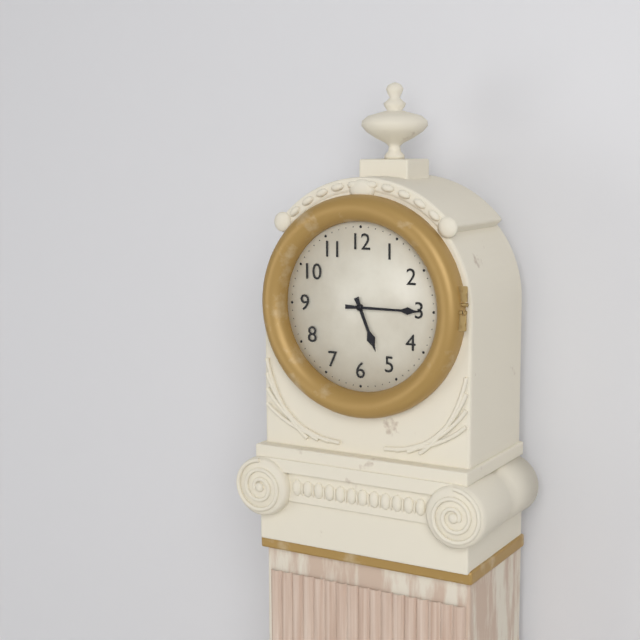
5:15
